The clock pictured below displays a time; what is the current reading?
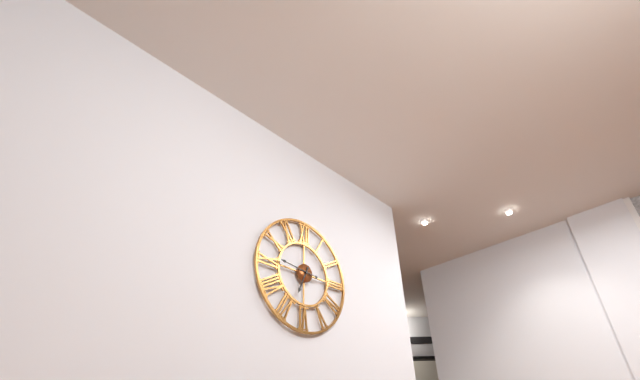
6:46
